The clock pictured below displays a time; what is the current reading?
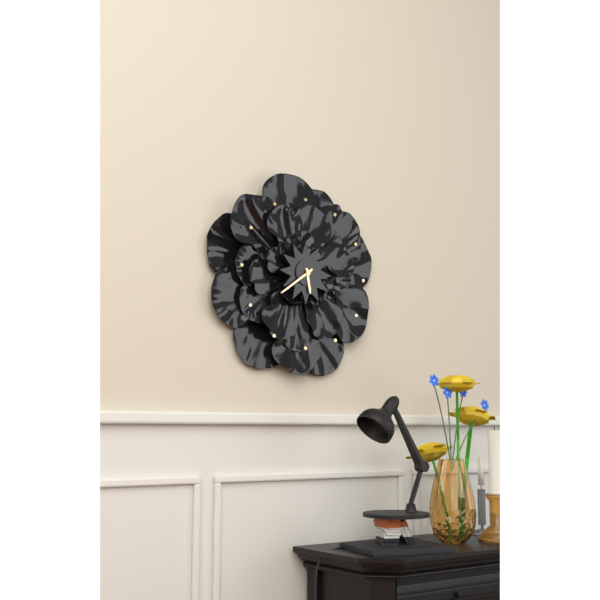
5:39
